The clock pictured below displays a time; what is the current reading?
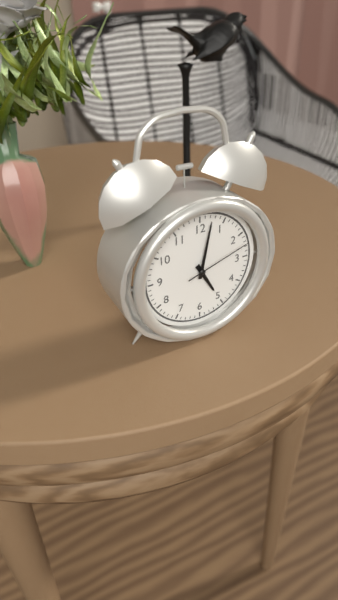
5:02:12
